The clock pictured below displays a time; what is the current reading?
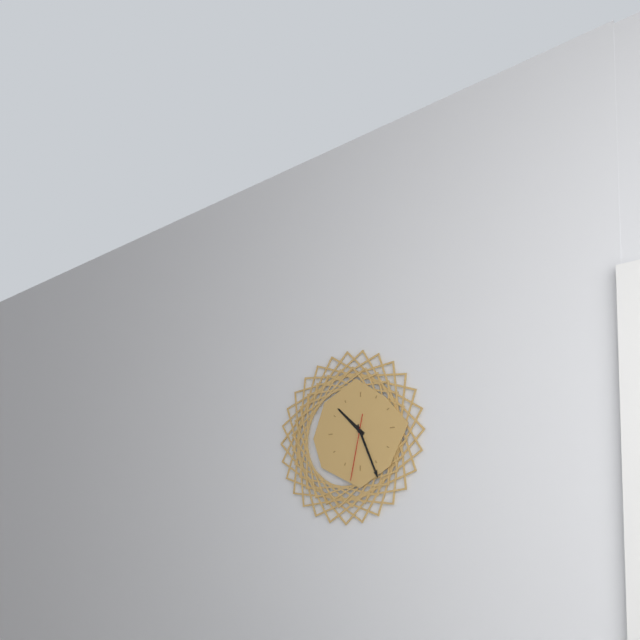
10:26:32
